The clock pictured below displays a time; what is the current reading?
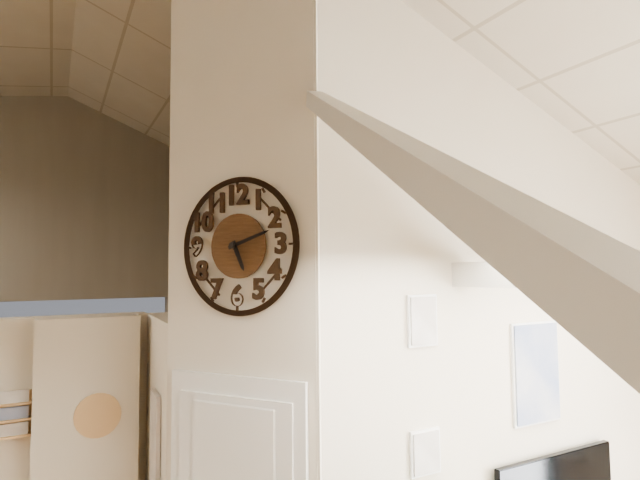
5:12
